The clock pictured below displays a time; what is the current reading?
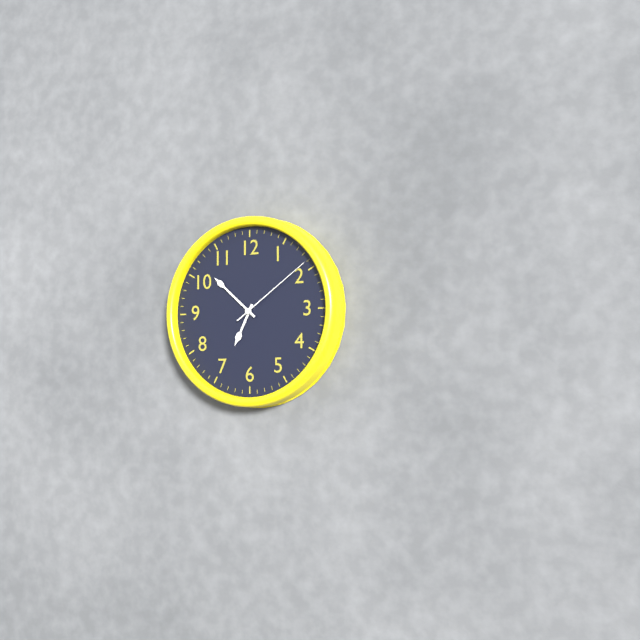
6:52:09
